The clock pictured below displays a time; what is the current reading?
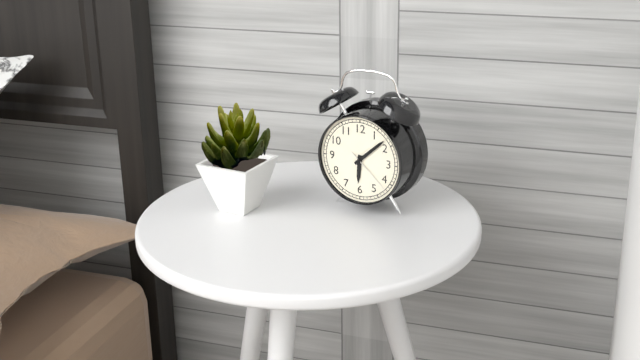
6:08
